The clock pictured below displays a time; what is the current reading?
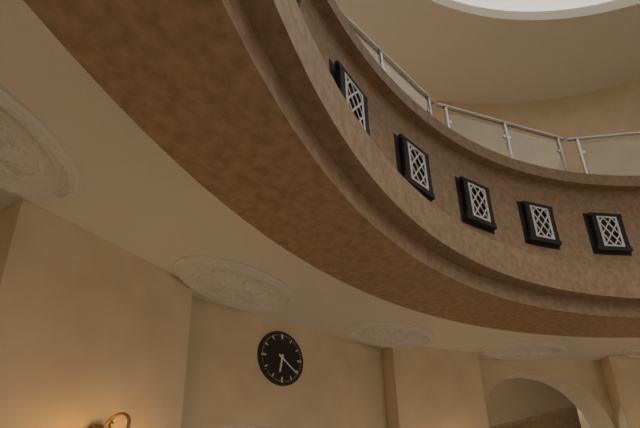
6:21
